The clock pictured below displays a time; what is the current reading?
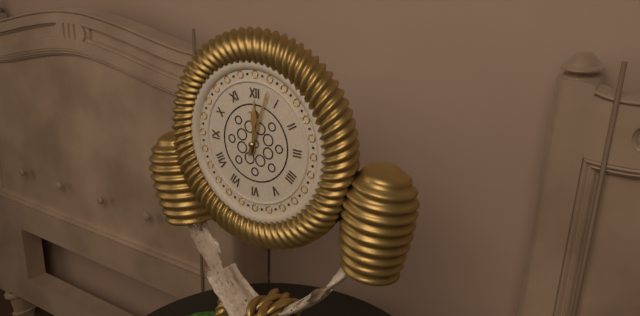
12:03
